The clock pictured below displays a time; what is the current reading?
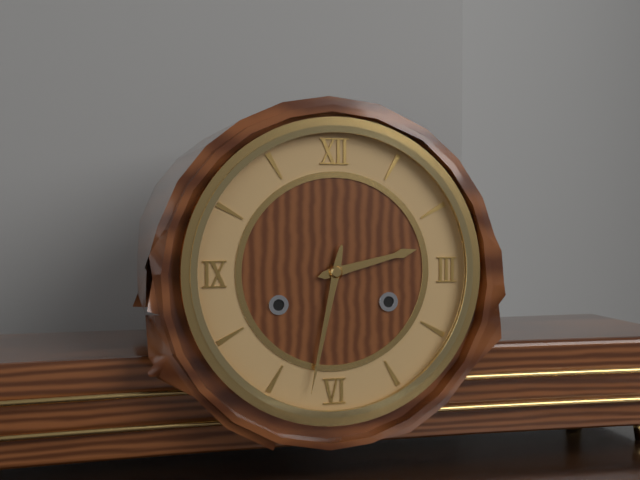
2:32
